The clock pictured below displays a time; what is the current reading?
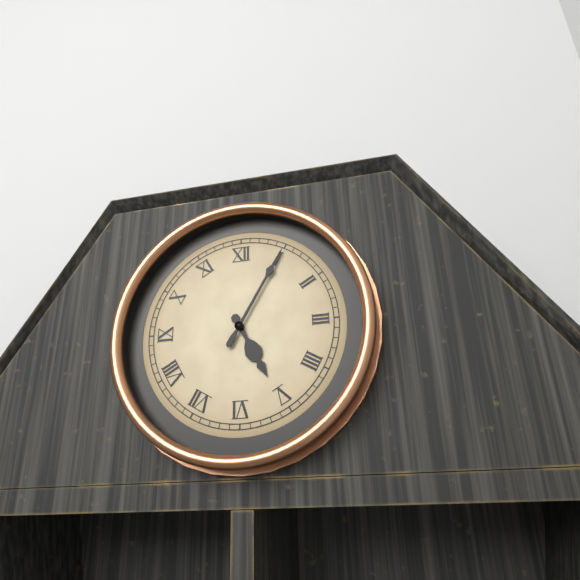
5:05
